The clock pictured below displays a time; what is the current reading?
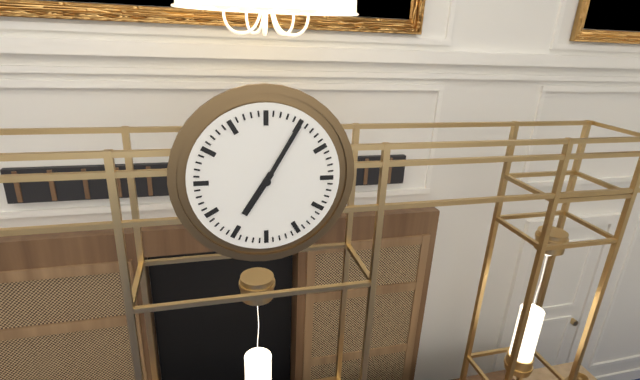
7:05
